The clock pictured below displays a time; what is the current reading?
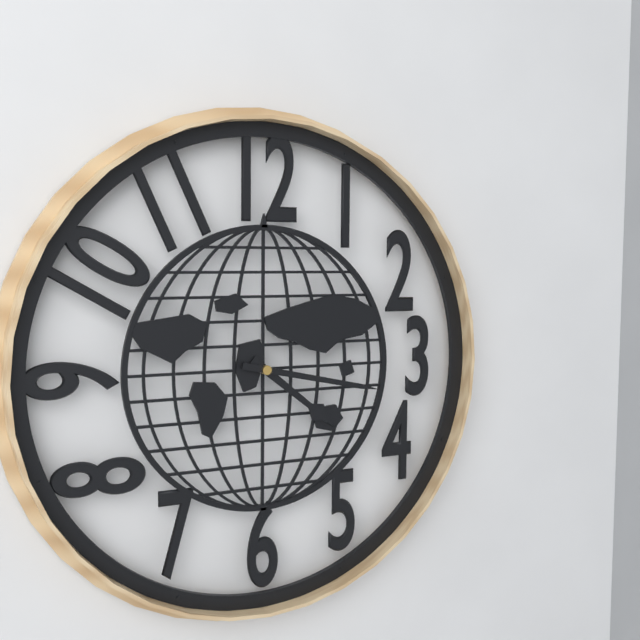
4:17
